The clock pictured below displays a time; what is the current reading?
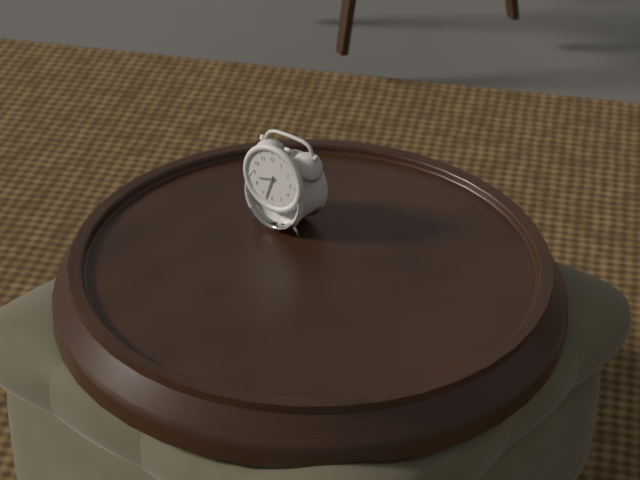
8:33
